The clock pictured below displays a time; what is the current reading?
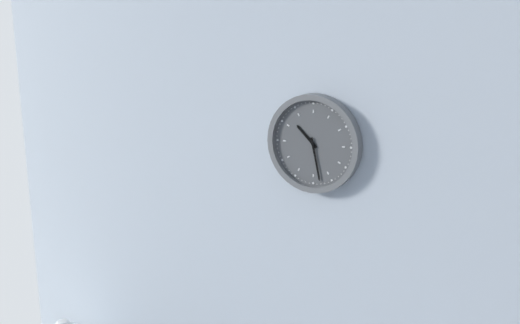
10:28
